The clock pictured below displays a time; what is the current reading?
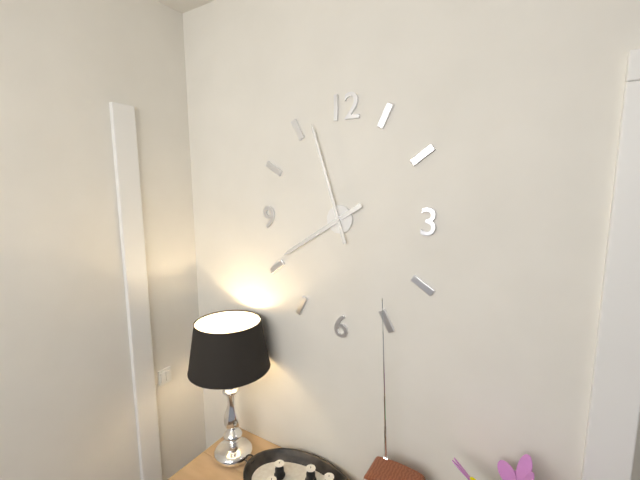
7:57
